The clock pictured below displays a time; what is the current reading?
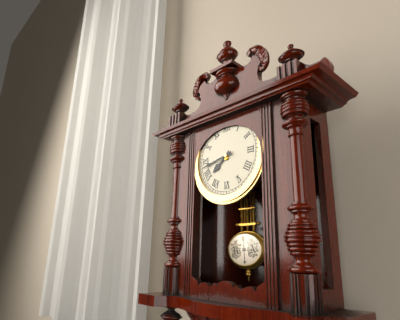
7:43
